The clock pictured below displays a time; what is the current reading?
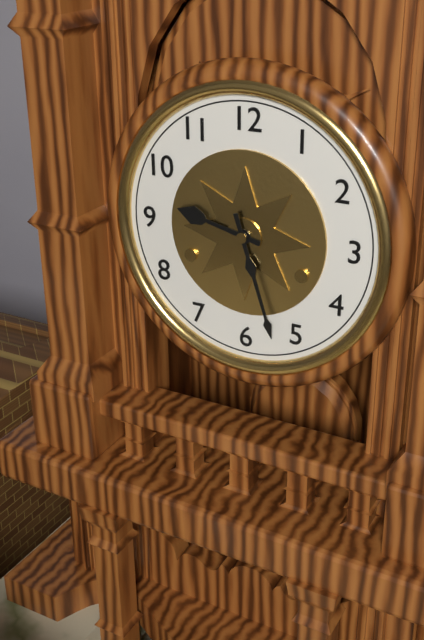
9:27
